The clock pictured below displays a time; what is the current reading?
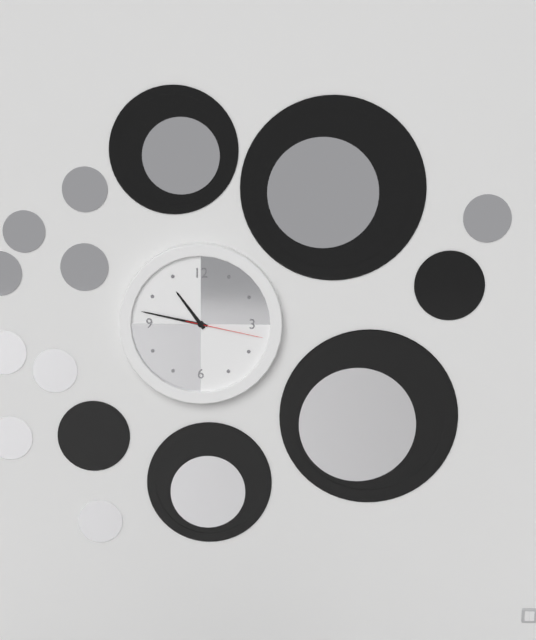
10:47:17
